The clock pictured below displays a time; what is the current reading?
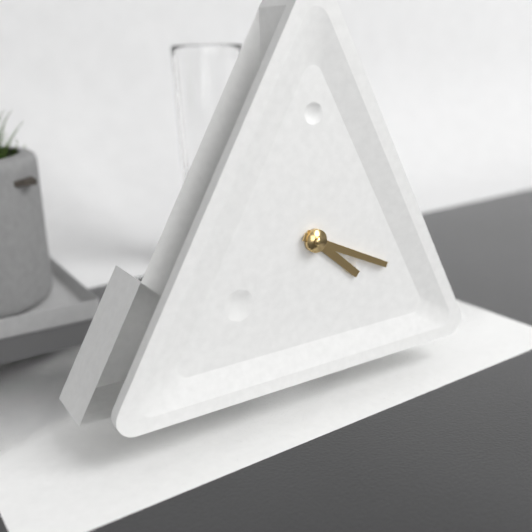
4:19
